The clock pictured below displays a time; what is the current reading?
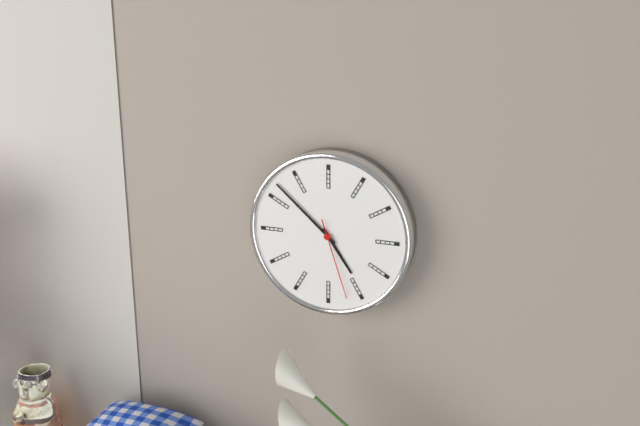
4:52:27
